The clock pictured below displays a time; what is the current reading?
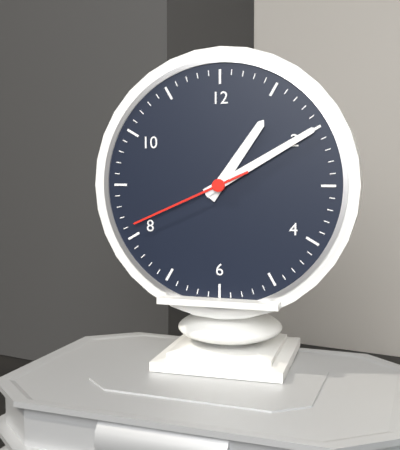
1:10:41
